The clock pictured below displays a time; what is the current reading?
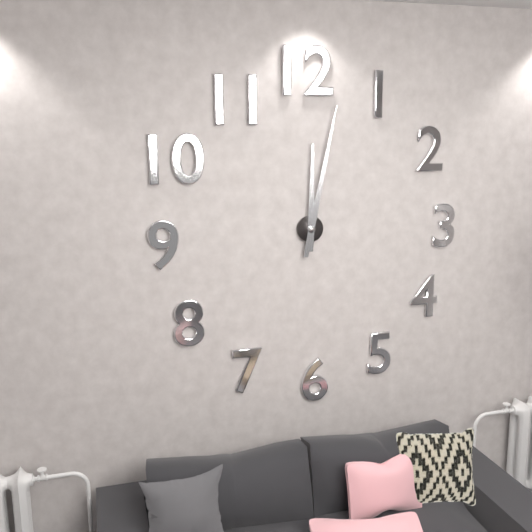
12:02
